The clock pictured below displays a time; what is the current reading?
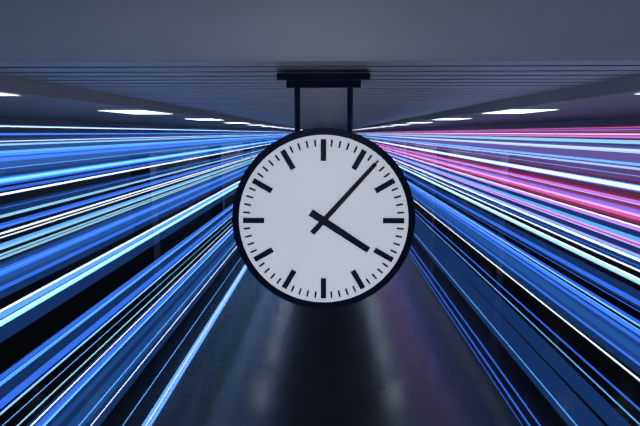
4:07
